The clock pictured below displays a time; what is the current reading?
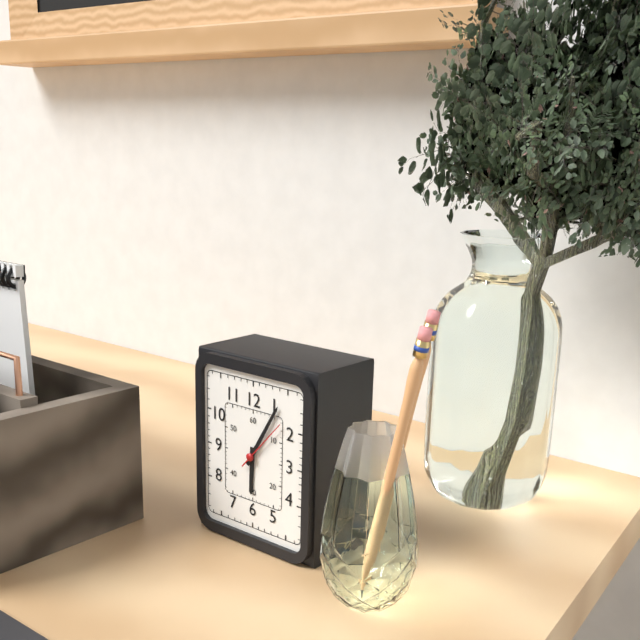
6:05:07
